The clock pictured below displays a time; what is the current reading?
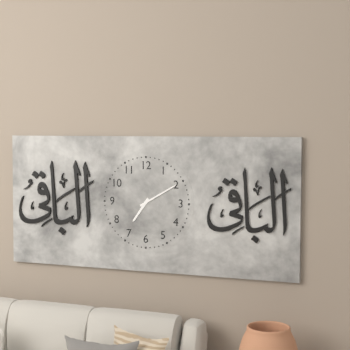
7:10
